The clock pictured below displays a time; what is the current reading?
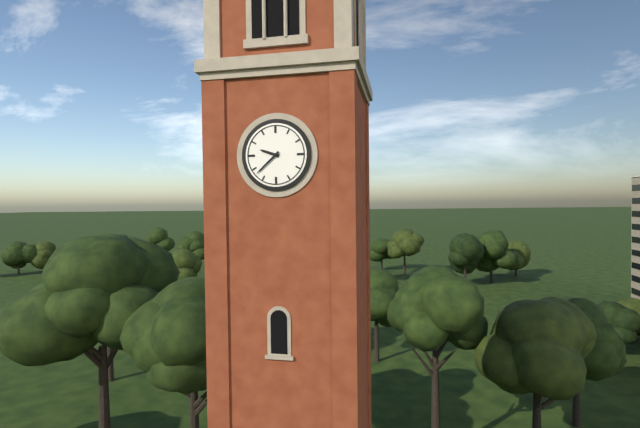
9:38
